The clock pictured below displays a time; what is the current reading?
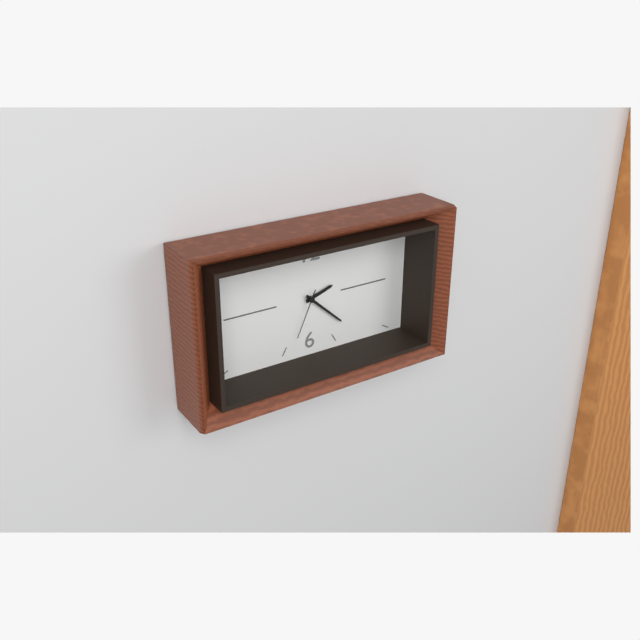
2:22:34
